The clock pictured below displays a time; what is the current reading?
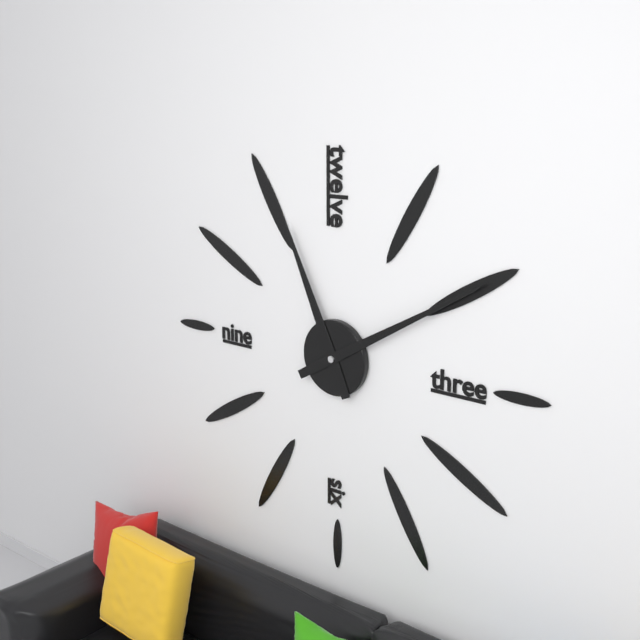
11:10
